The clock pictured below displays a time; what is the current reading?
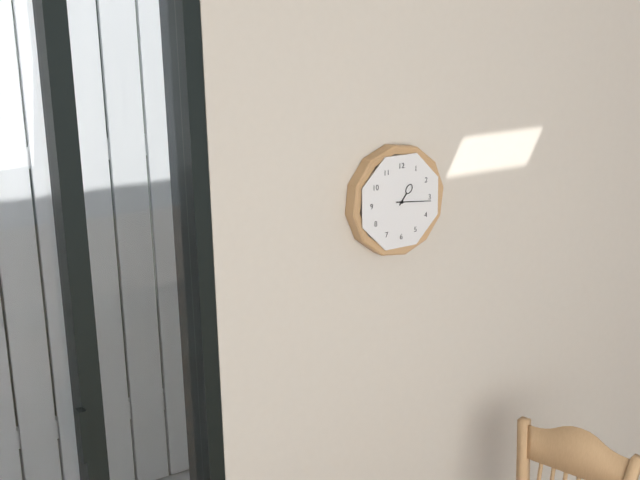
1:16
